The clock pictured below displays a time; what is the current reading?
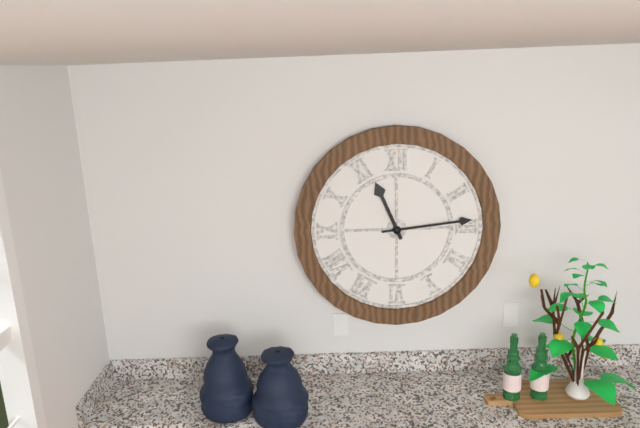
11:14
